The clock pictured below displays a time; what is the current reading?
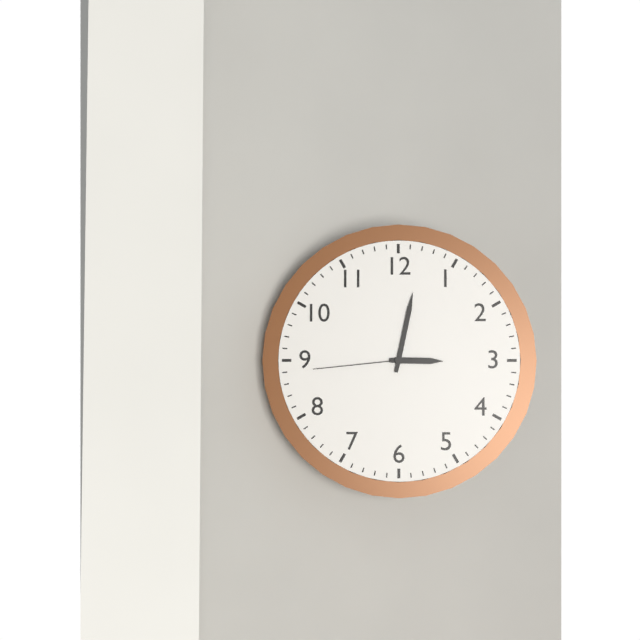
3:02:44
